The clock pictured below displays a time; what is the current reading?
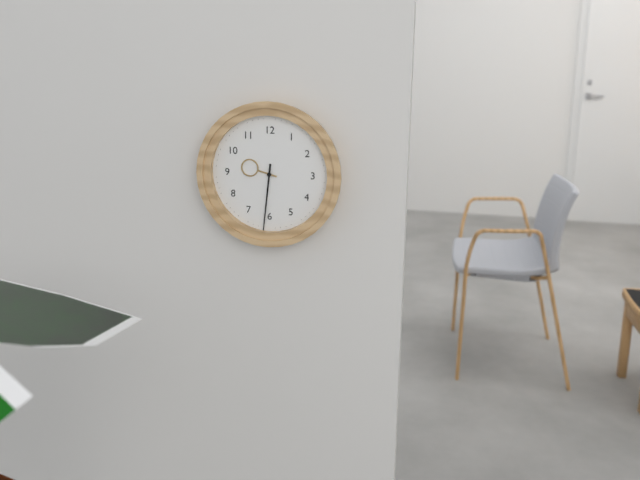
9:31
